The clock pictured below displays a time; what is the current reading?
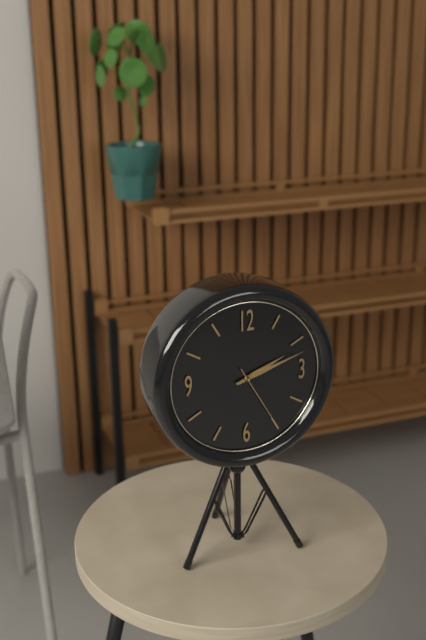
2:12:25
